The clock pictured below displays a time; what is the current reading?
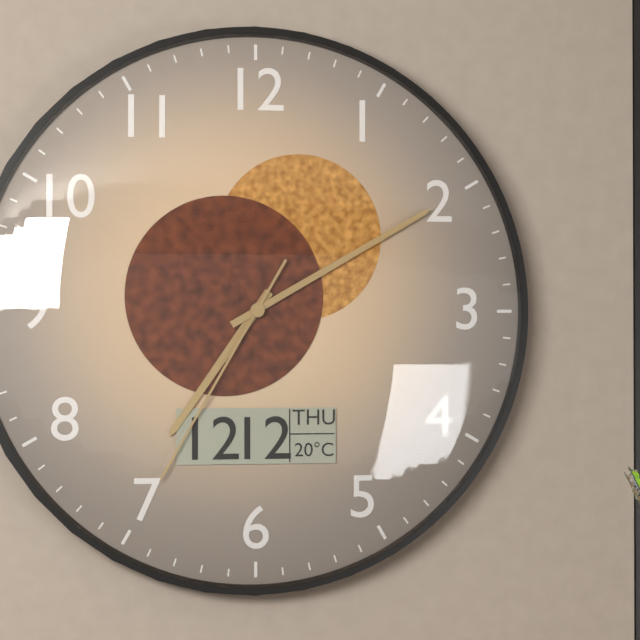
7:10:35
